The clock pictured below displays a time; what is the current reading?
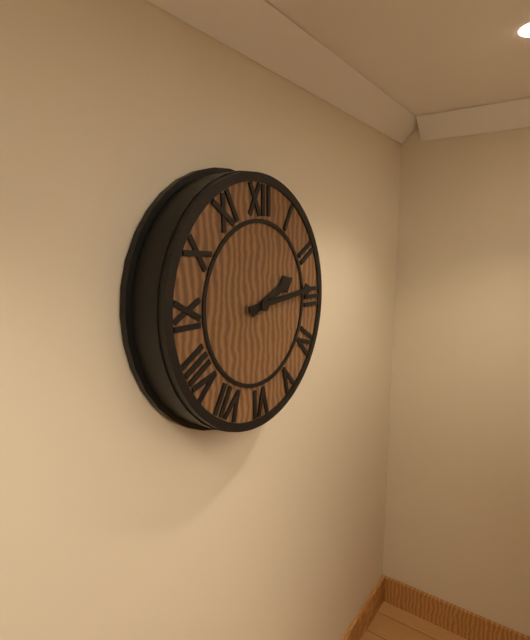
2:14
